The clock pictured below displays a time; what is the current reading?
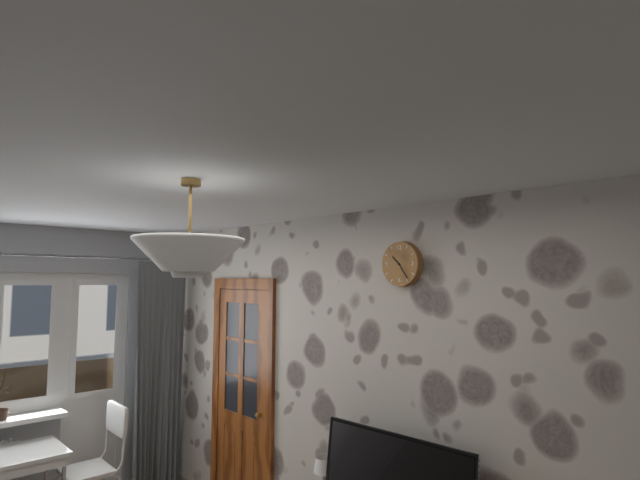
10:24
